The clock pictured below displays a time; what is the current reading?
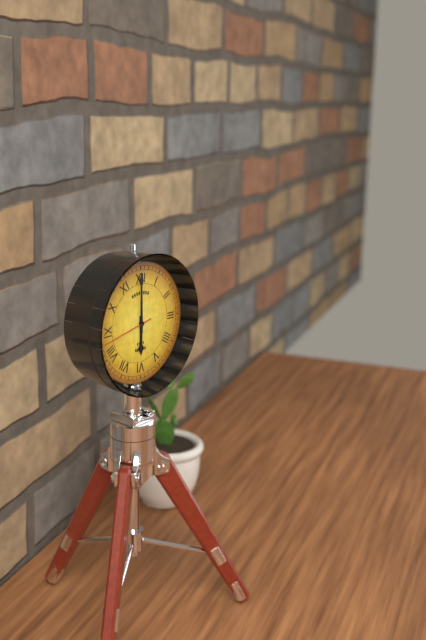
6:00:43
